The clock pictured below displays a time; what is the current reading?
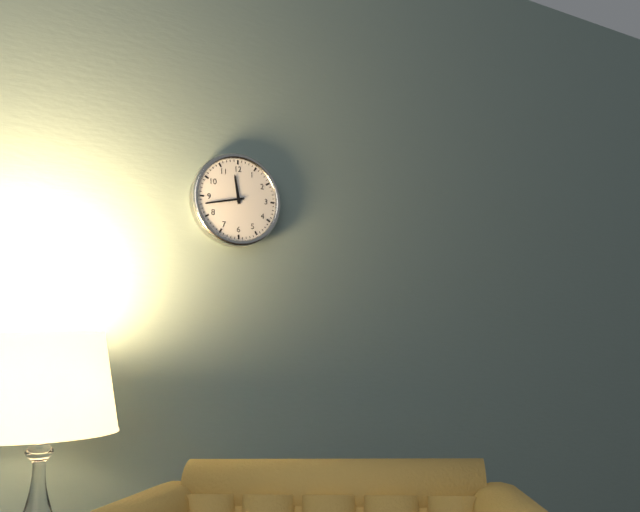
11:43
